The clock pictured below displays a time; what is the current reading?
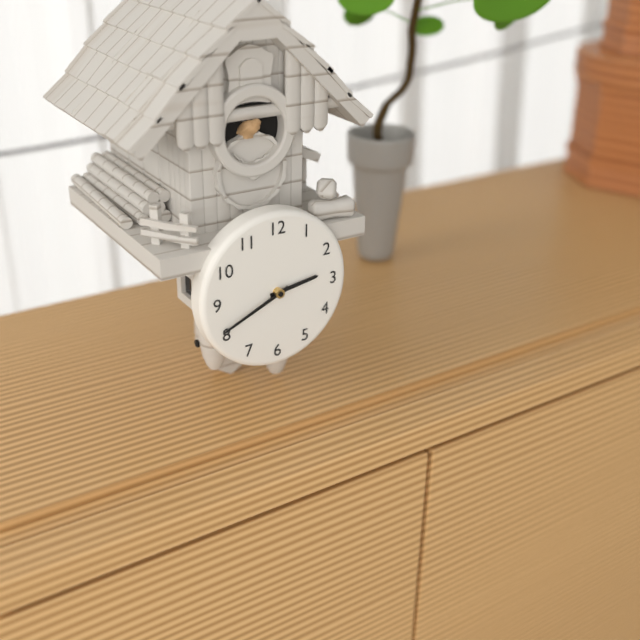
2:41
